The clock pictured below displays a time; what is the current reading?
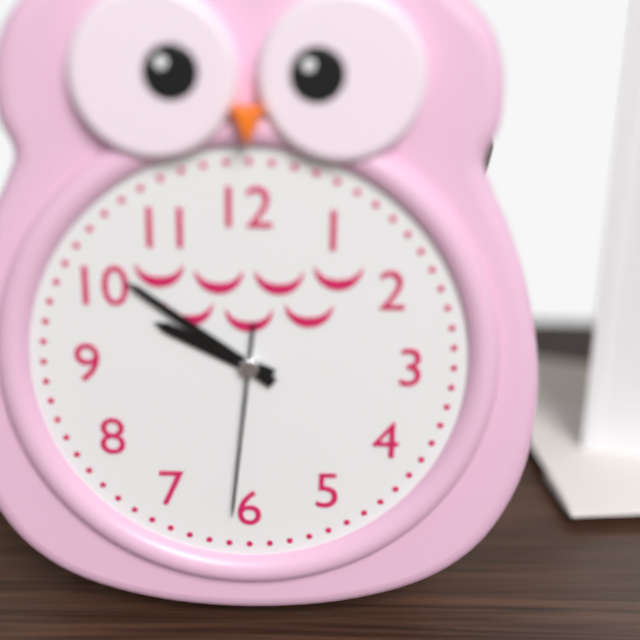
9:51:31
